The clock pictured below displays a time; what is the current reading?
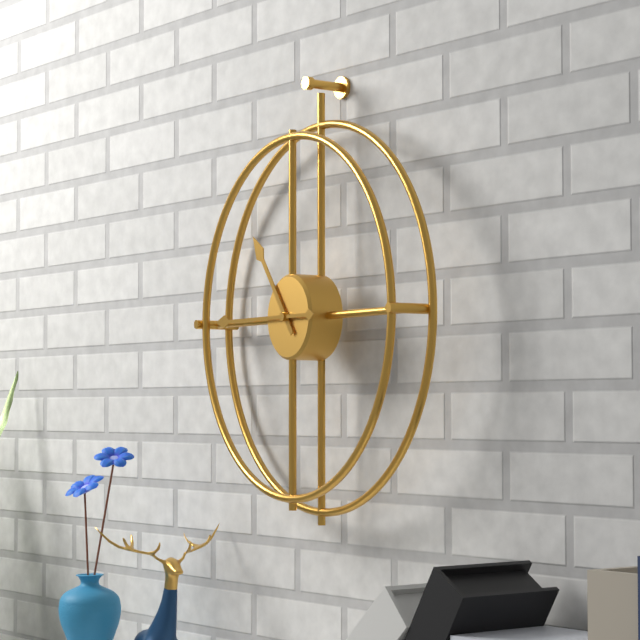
10:45
